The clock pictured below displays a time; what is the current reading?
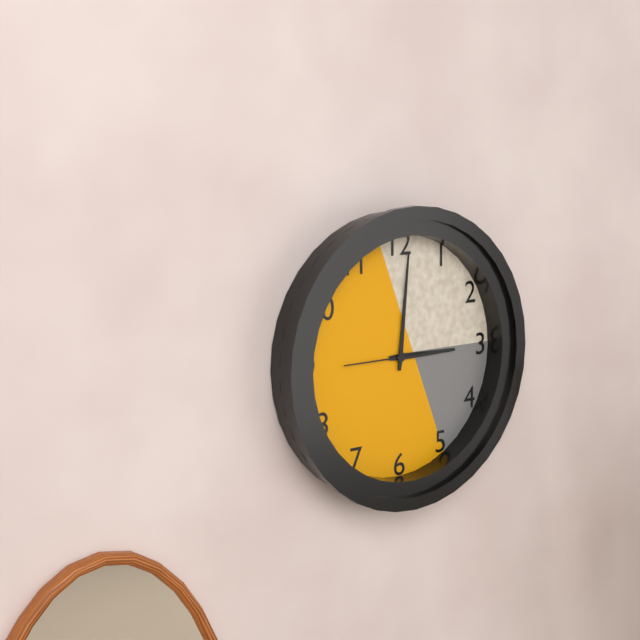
3:01:45
